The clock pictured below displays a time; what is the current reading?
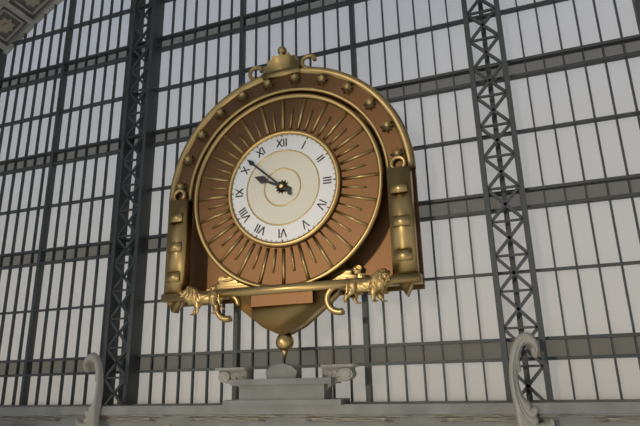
9:52
